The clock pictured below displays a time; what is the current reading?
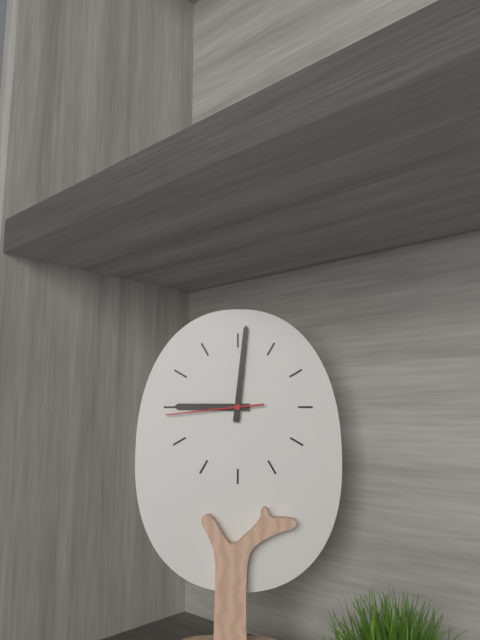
9:01:44
